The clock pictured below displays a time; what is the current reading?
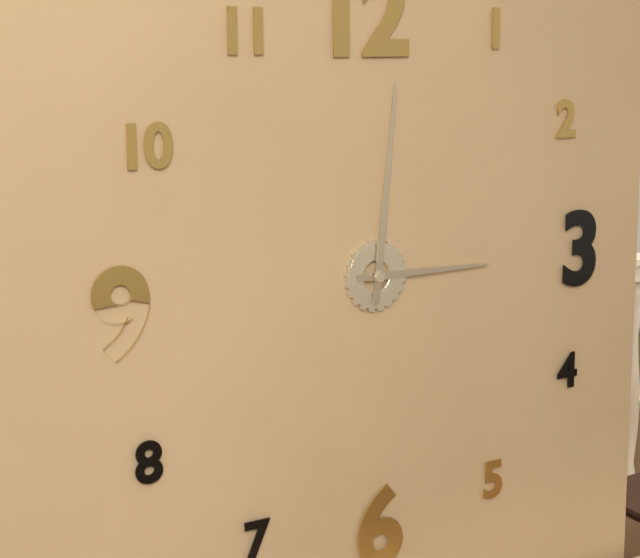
3:01
